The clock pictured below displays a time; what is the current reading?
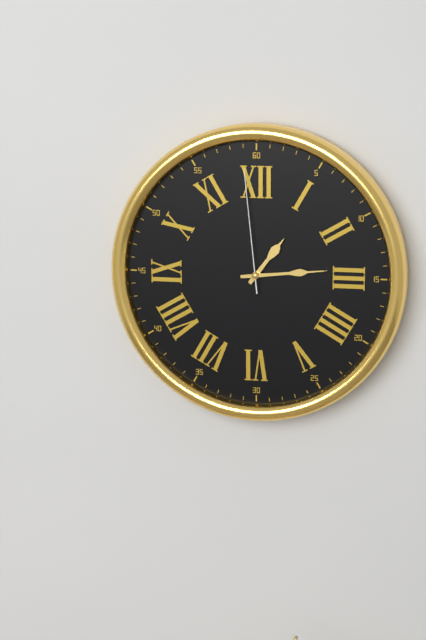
1:14:59
